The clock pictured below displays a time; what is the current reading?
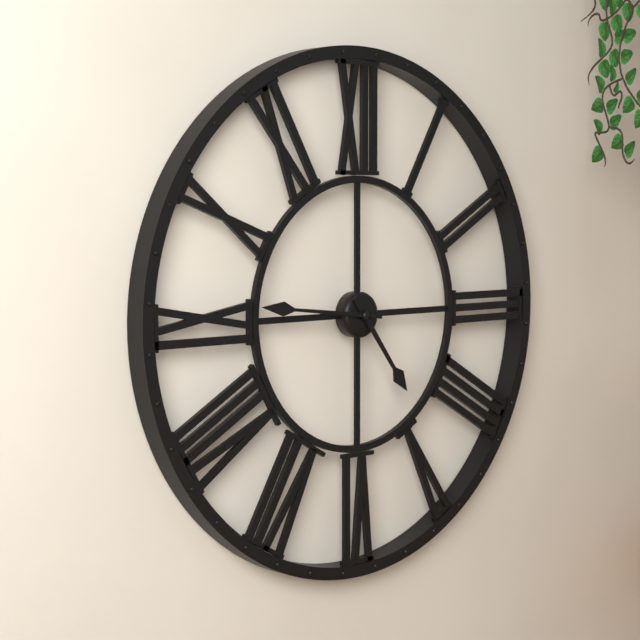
4:46
